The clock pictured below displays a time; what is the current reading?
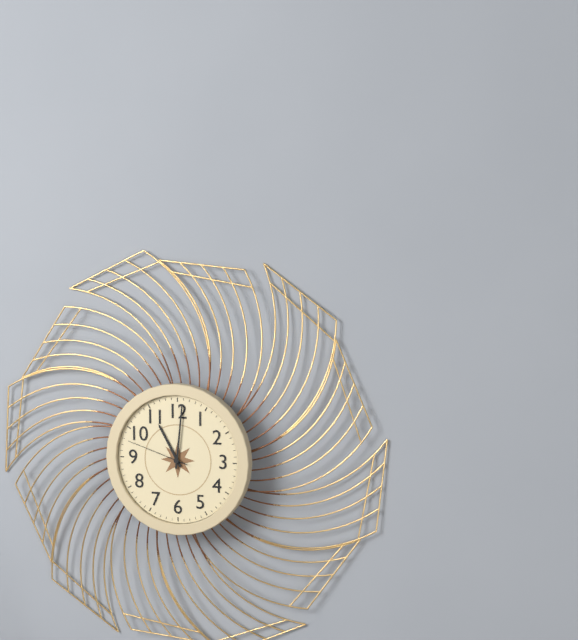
11:01:48
